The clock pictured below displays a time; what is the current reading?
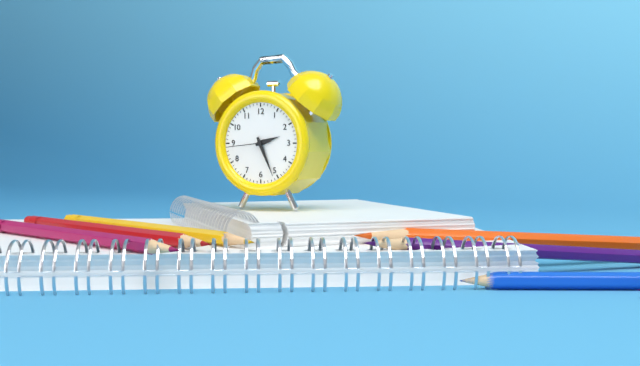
2:26
